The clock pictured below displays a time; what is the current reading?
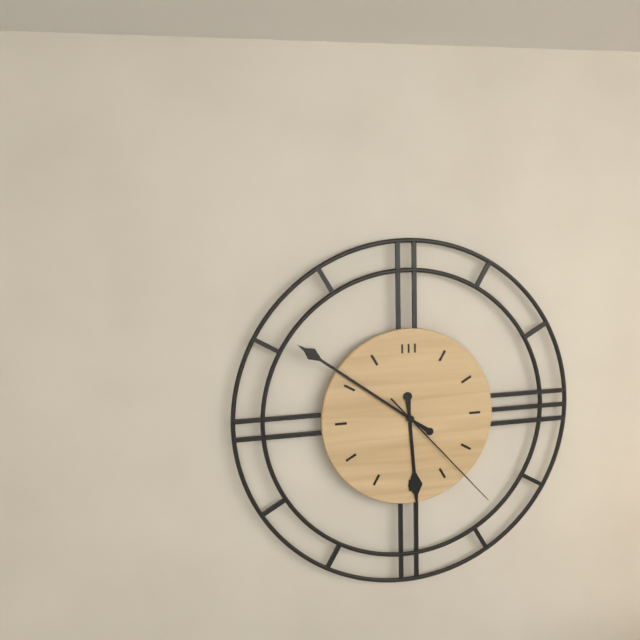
5:51:23
